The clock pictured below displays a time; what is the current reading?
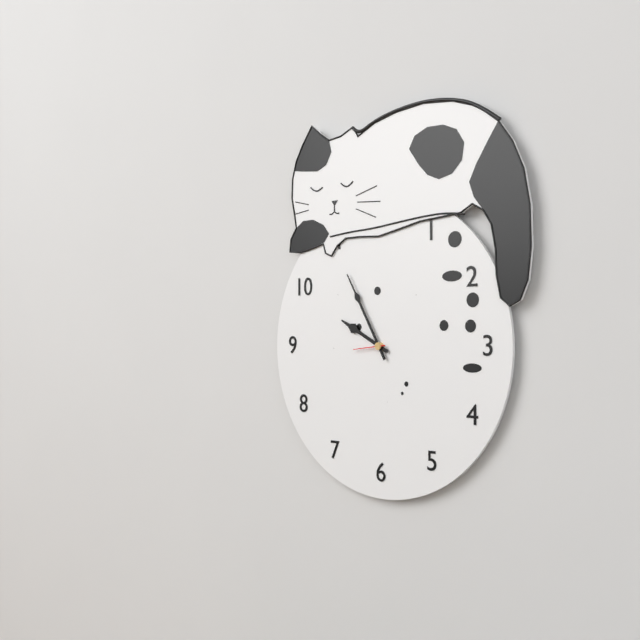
9:55
